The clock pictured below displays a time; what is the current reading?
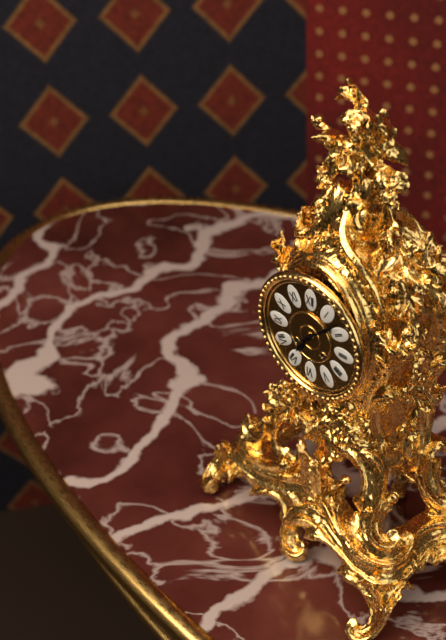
7:08
